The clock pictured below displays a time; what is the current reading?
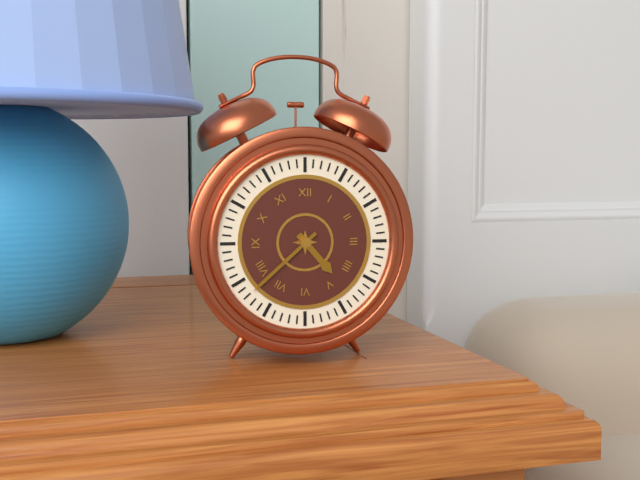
4:38
